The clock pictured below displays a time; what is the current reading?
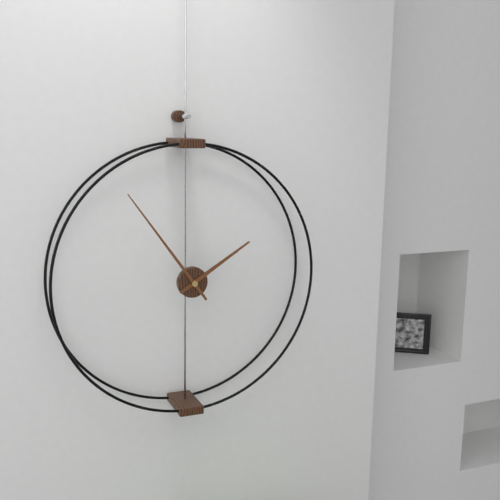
1:54
